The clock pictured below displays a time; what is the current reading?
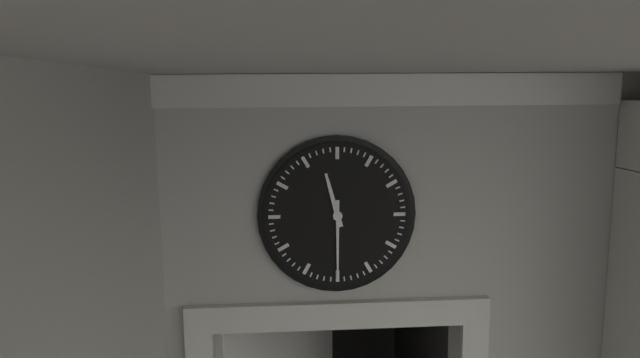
11:30
